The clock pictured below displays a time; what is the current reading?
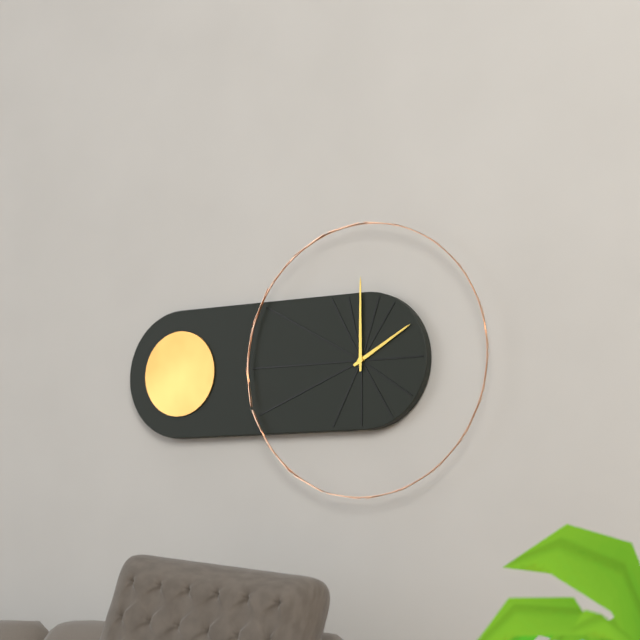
2:00
